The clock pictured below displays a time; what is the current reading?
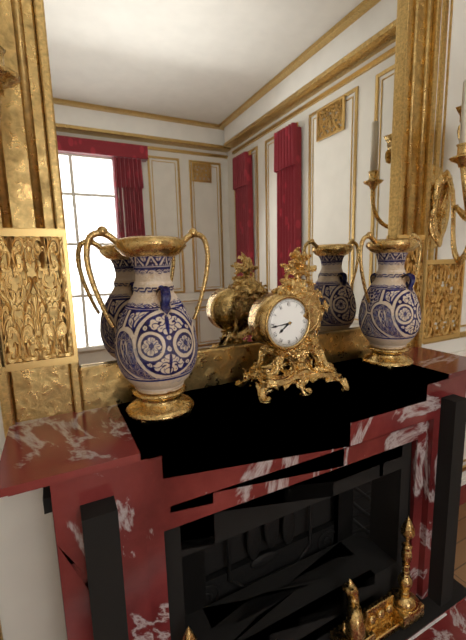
7:44
